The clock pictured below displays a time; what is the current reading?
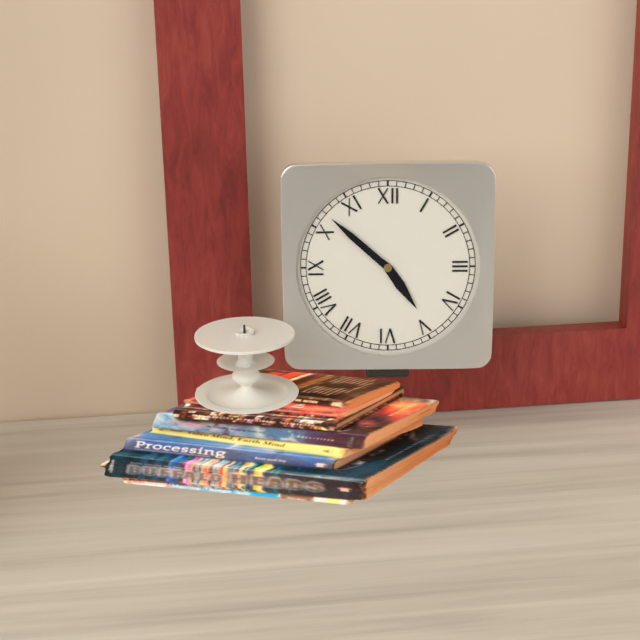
4:52
